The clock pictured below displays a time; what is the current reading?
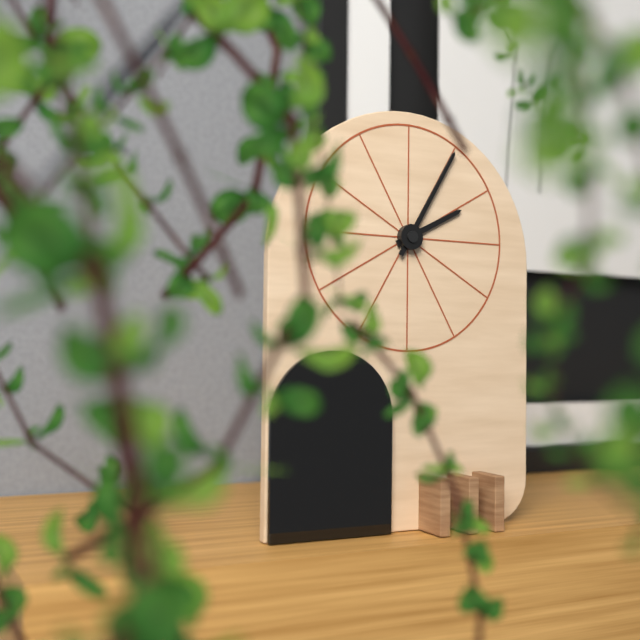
2:05
